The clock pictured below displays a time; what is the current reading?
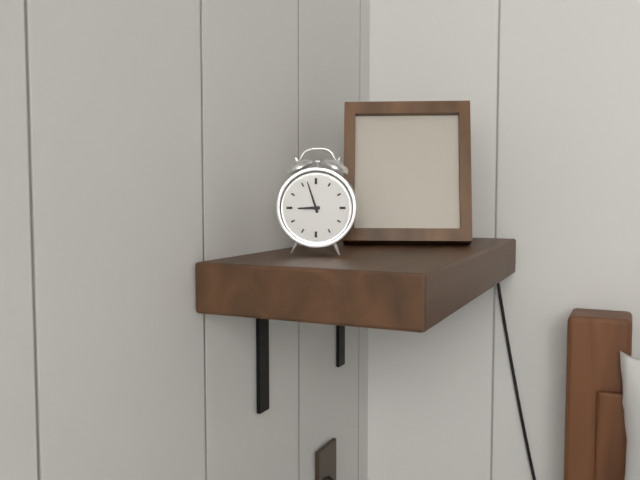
8:57
